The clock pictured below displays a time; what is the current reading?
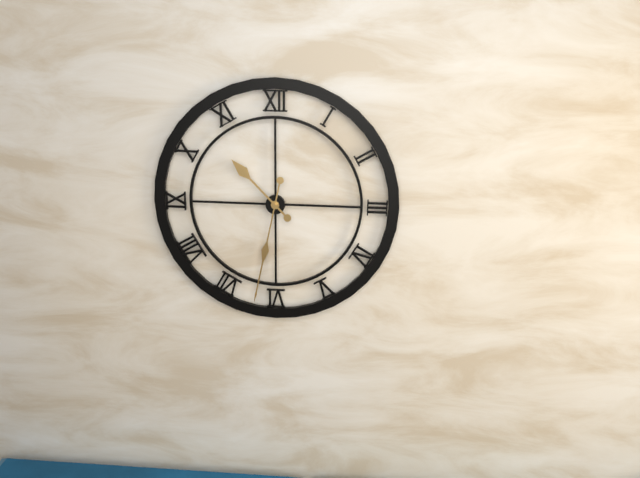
10:32
